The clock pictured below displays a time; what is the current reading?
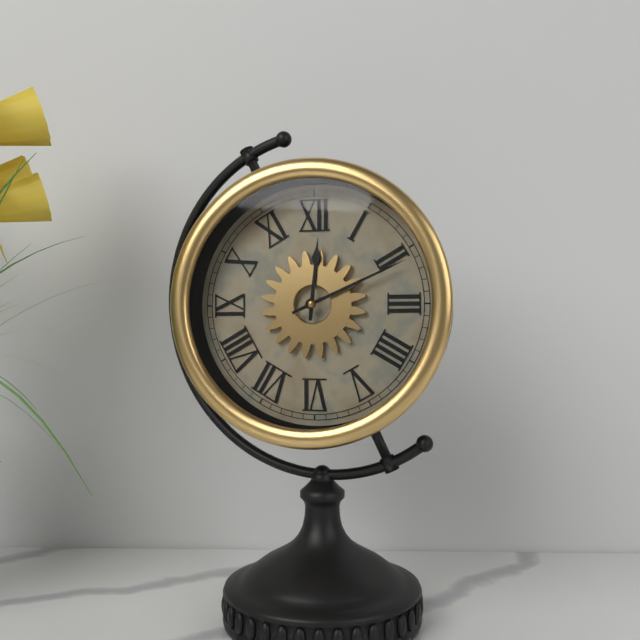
12:11
